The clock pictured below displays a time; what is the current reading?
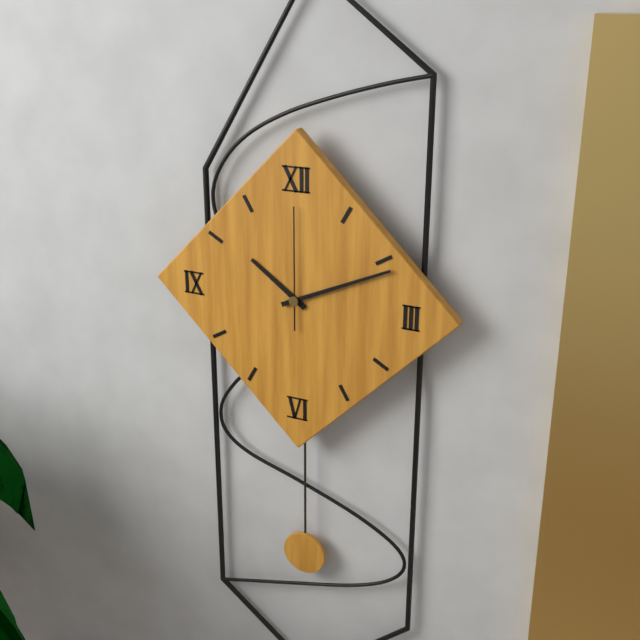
10:11:00
